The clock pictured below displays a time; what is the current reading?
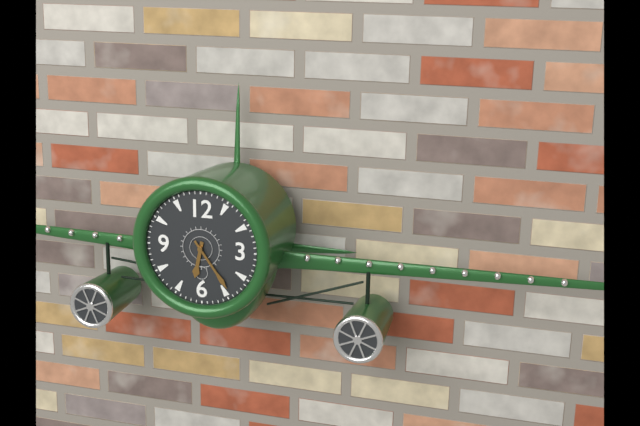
6:24
